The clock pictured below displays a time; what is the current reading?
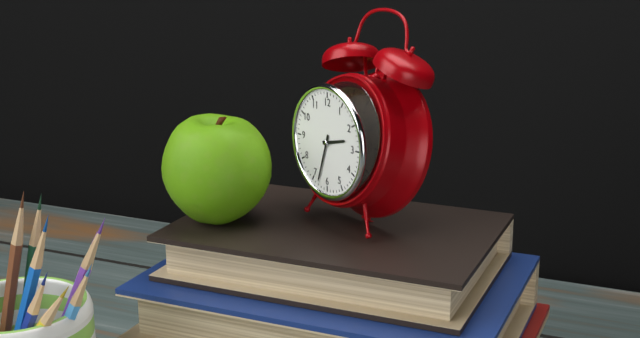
2:33
